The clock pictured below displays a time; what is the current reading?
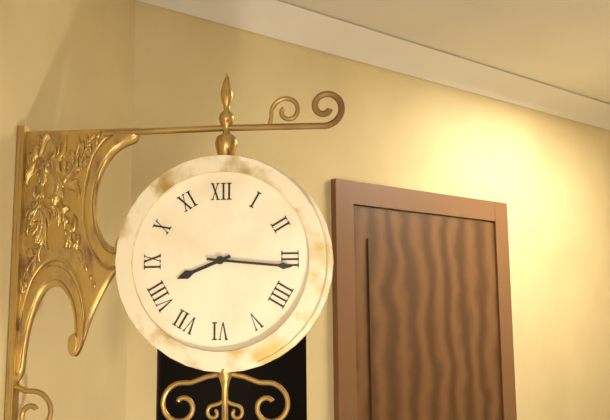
8:16
